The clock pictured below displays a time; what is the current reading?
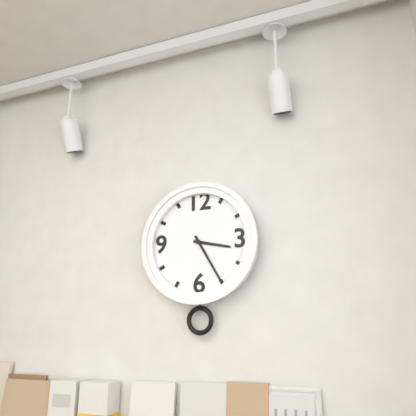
3:25
